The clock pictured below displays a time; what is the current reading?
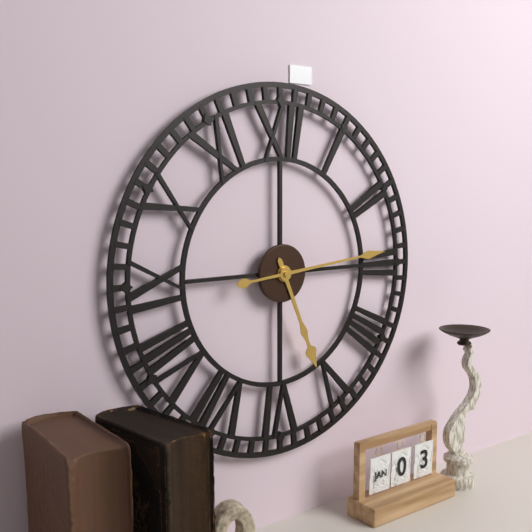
5:14
